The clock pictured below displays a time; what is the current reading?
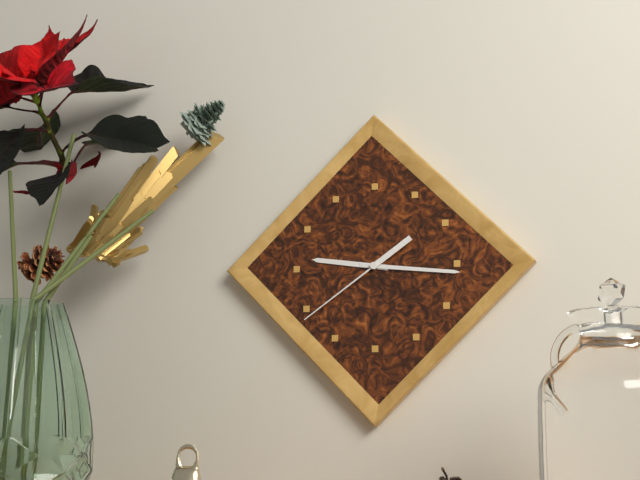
9:16:39
